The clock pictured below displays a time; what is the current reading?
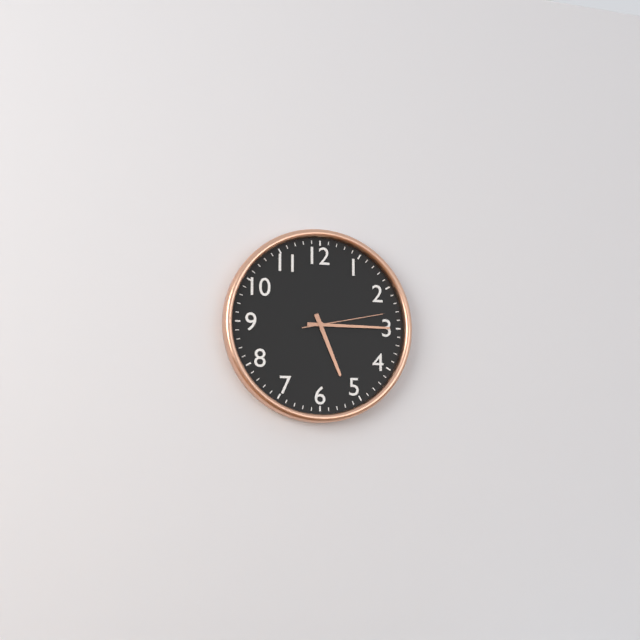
5:15:13
